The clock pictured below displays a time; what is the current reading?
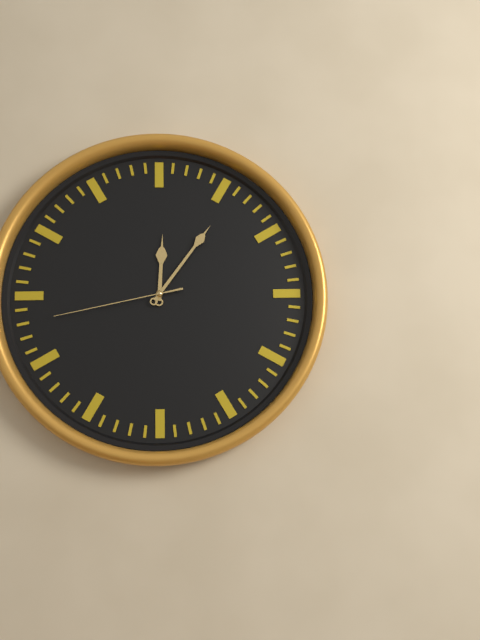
12:06:43
